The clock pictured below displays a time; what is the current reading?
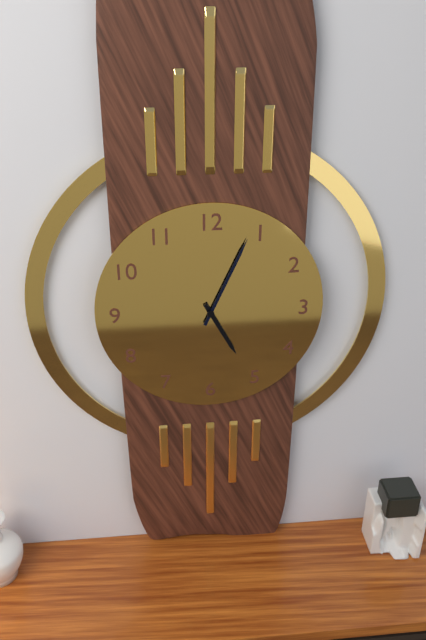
5:04
